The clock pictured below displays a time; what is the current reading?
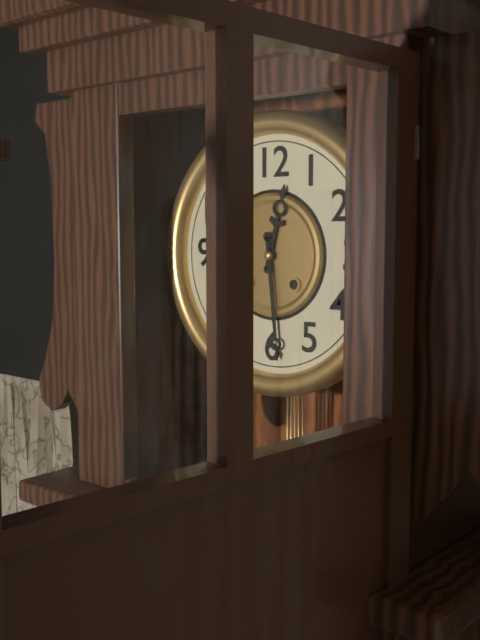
12:29
